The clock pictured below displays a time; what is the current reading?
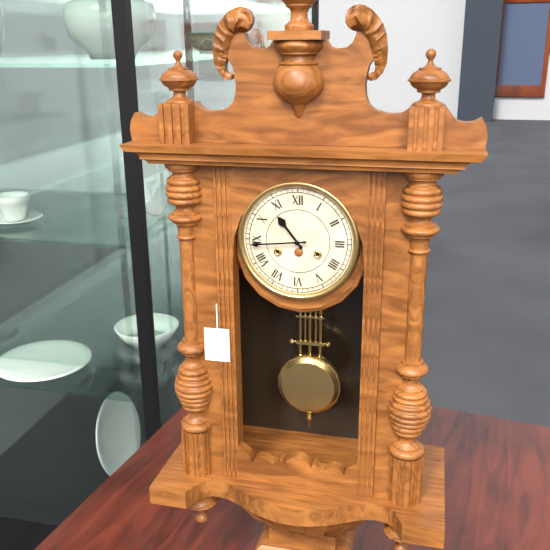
10:44
